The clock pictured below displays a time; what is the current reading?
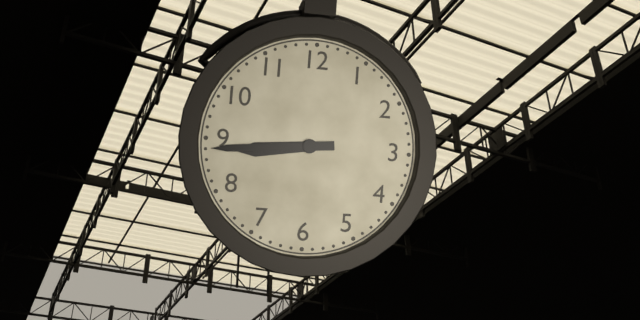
8:44
